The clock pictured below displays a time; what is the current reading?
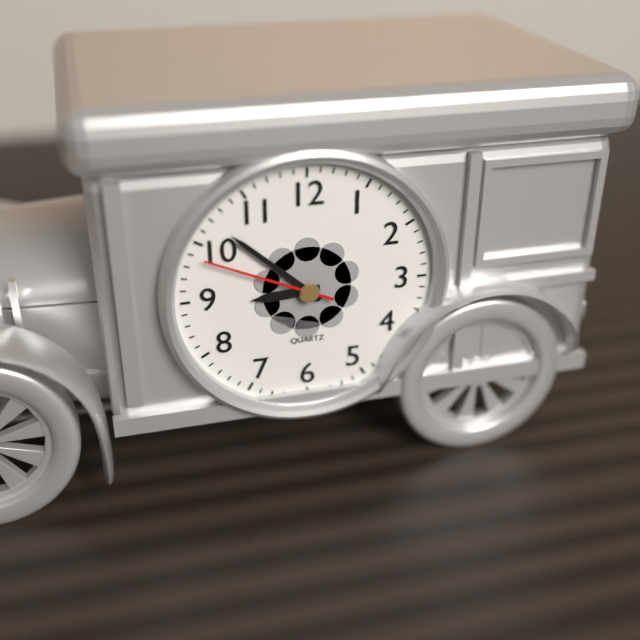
8:52:49
